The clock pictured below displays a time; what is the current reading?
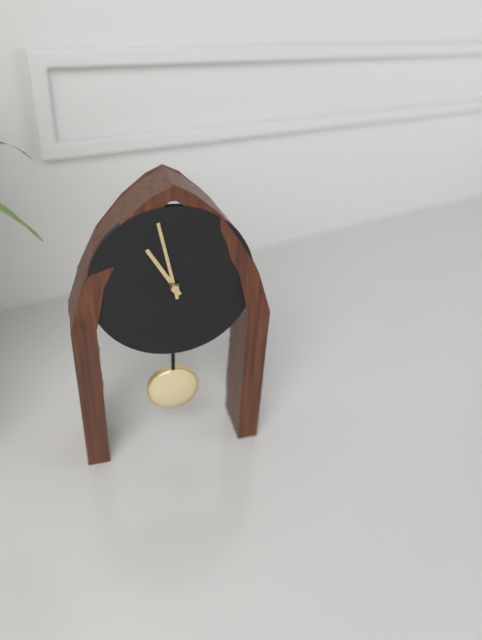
10:58
